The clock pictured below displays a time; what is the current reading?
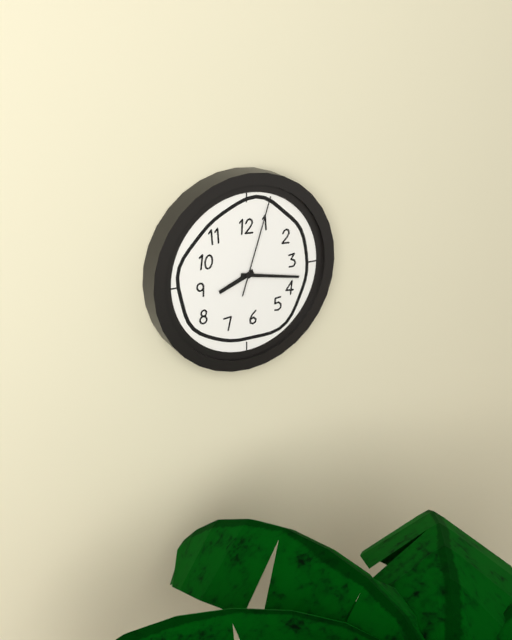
8:17:03
